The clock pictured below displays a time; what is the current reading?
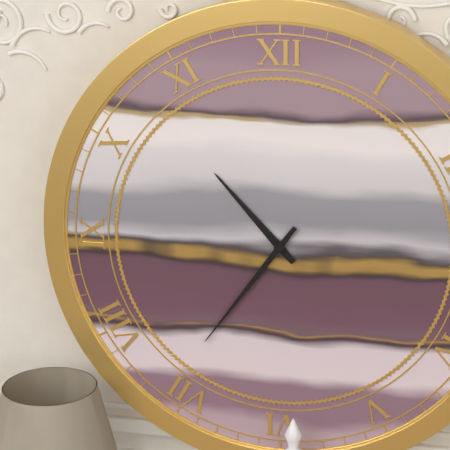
10:36
